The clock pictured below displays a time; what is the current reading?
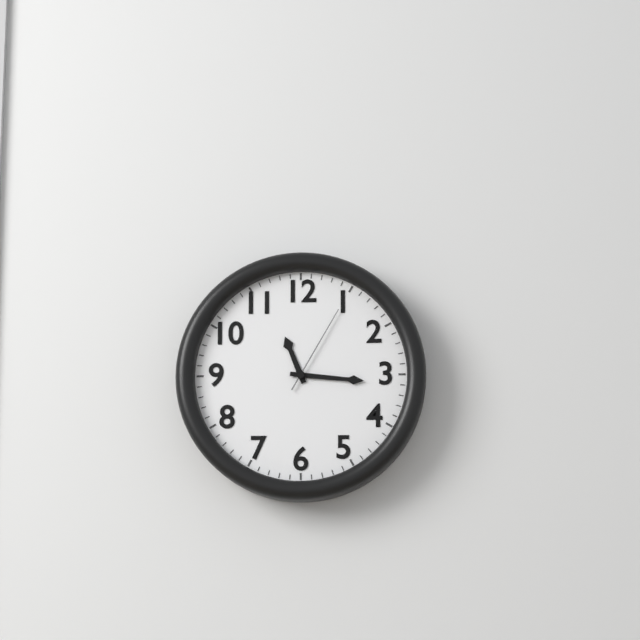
11:16:05
